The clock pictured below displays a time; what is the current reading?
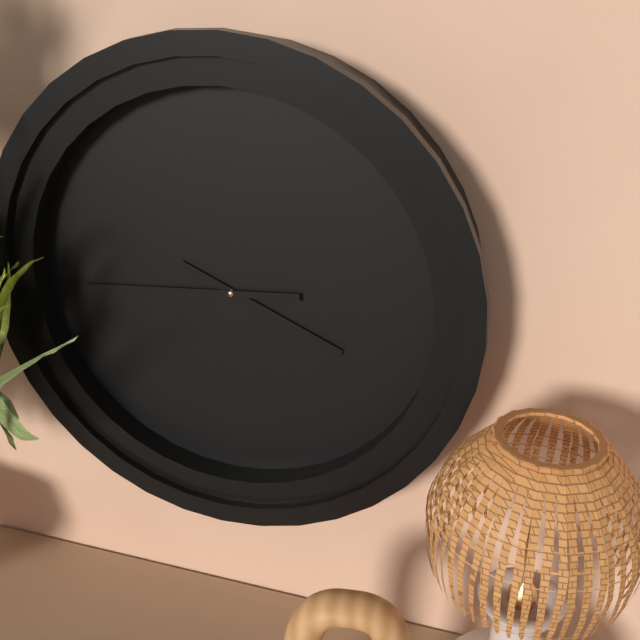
3:44
